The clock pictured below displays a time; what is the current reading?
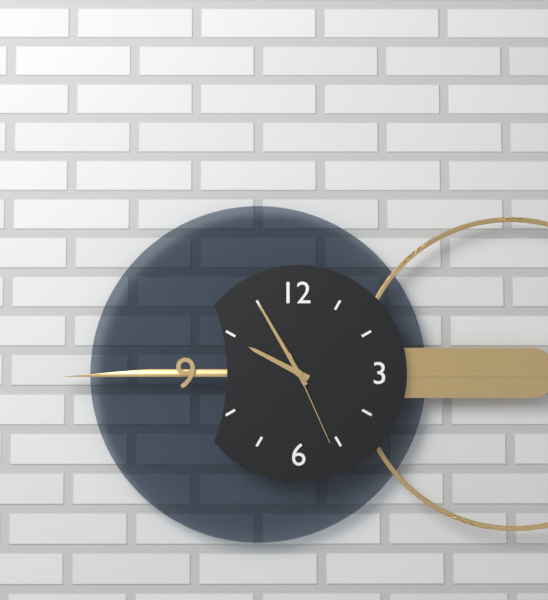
9:55:26
